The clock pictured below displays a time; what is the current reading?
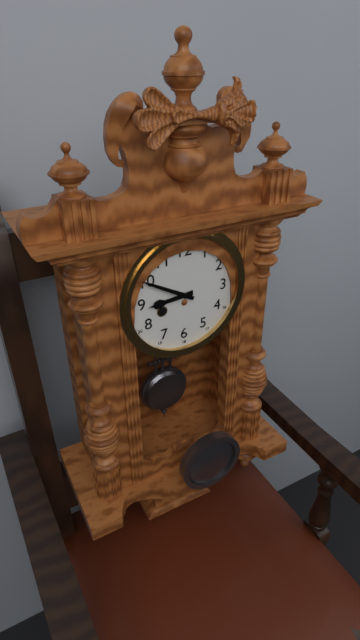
8:50
